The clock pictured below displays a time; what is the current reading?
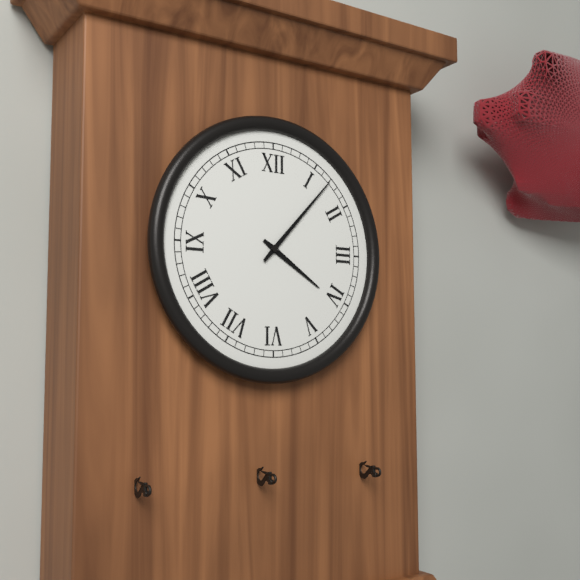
4:07
